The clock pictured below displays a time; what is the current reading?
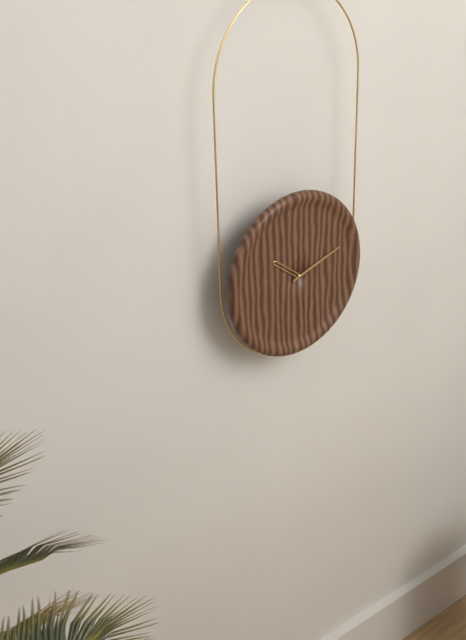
10:12
